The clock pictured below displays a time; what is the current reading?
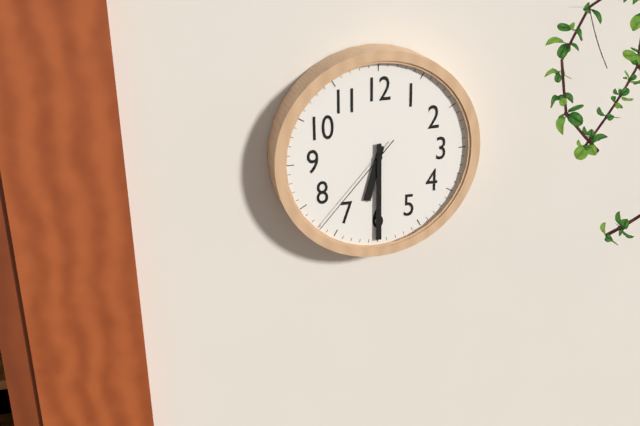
6:30:37
